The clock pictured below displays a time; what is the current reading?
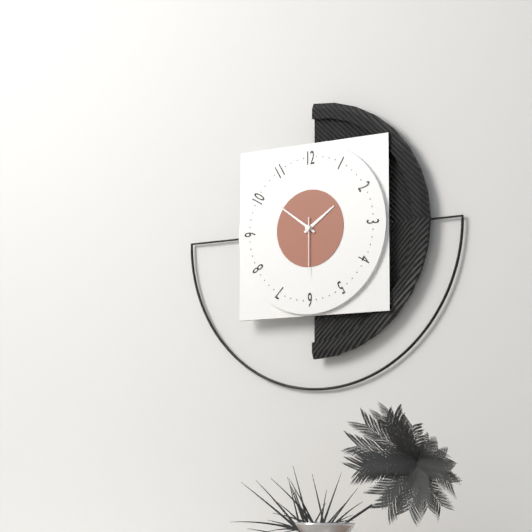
1:51:30
